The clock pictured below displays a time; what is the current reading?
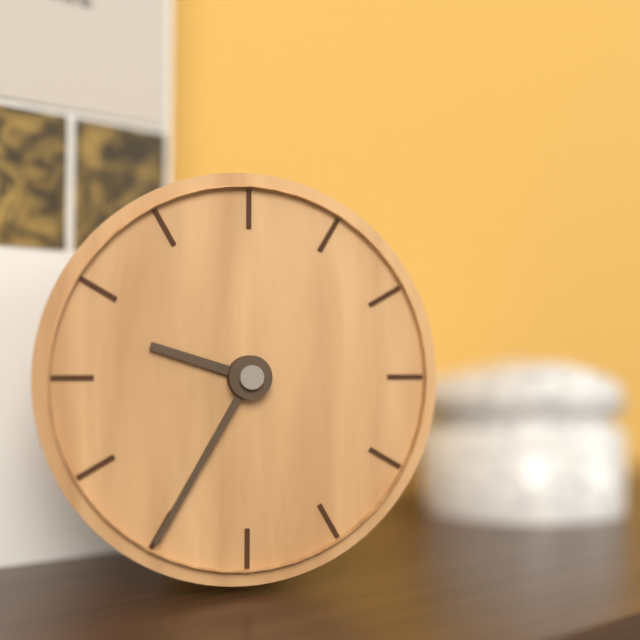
9:35
